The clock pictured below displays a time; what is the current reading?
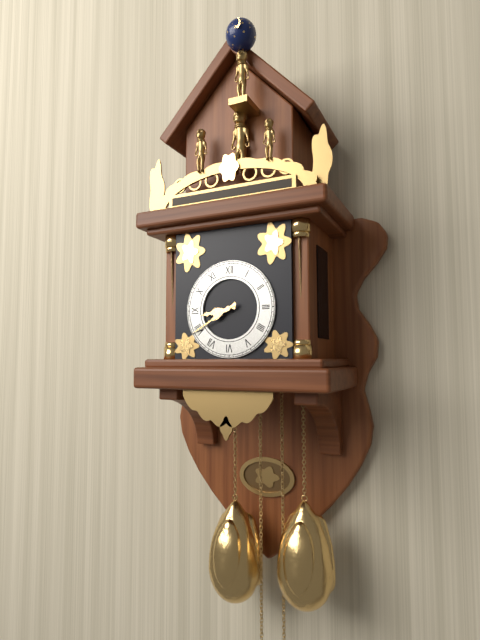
8:40
